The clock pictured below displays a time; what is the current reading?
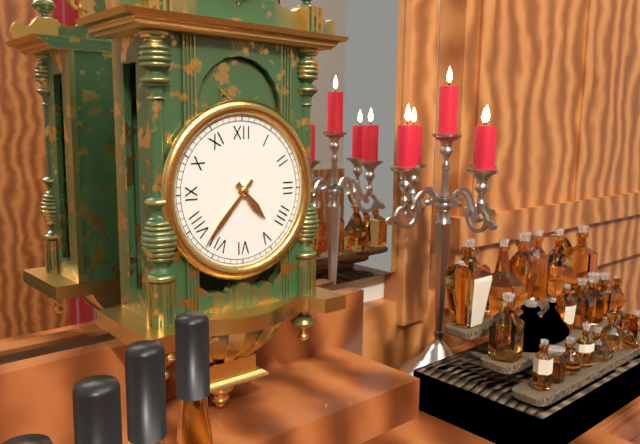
4:37
